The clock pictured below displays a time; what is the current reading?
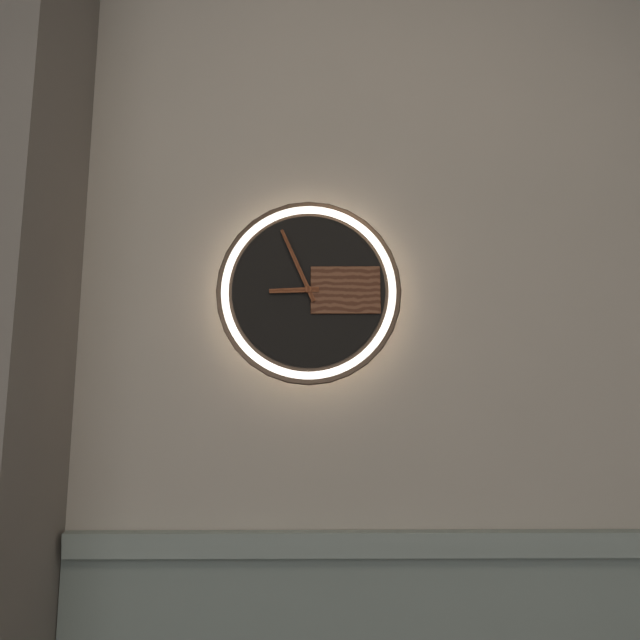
8:56
